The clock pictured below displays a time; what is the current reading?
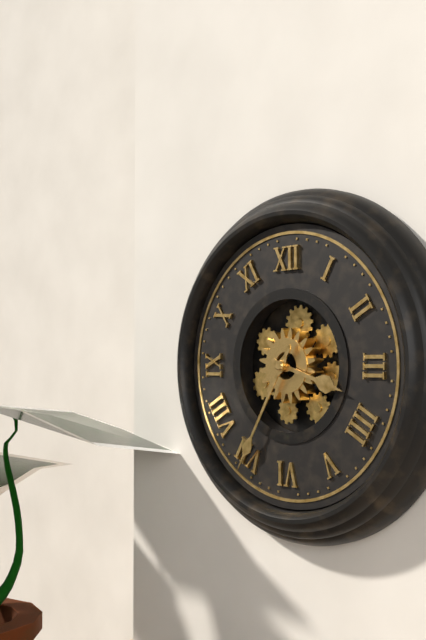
3:35
